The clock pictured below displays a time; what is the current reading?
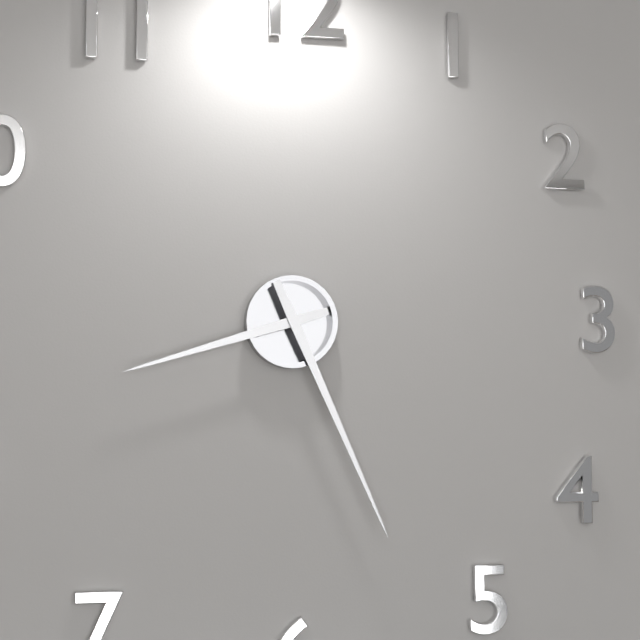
8:26
